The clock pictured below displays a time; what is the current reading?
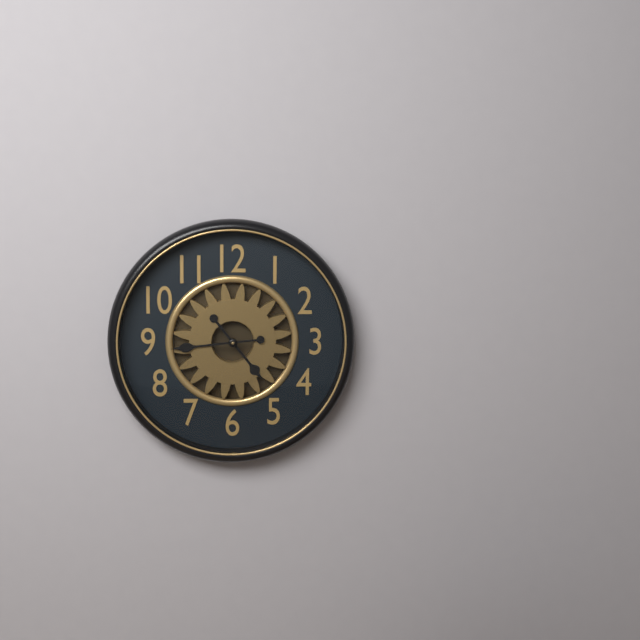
4:44
